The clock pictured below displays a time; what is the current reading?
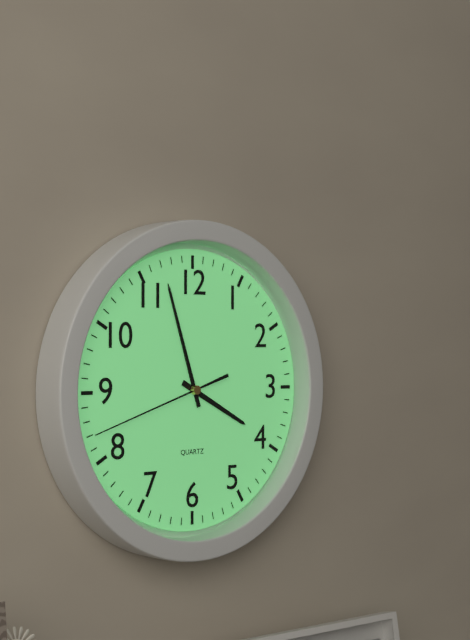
3:57:42
